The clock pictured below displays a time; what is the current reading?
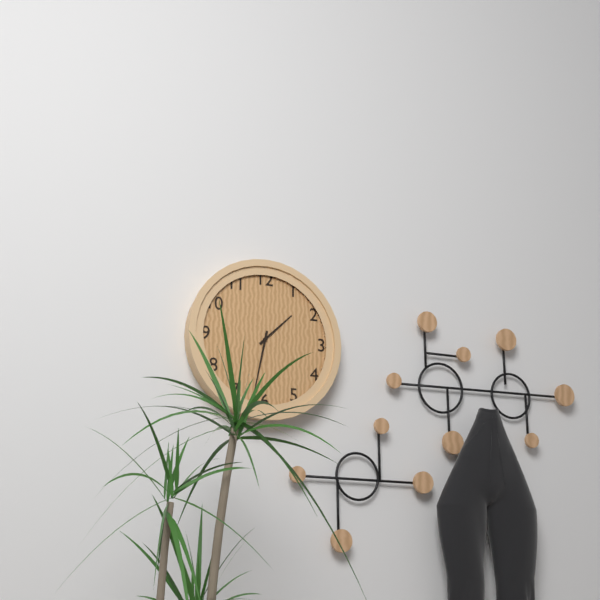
1:32
